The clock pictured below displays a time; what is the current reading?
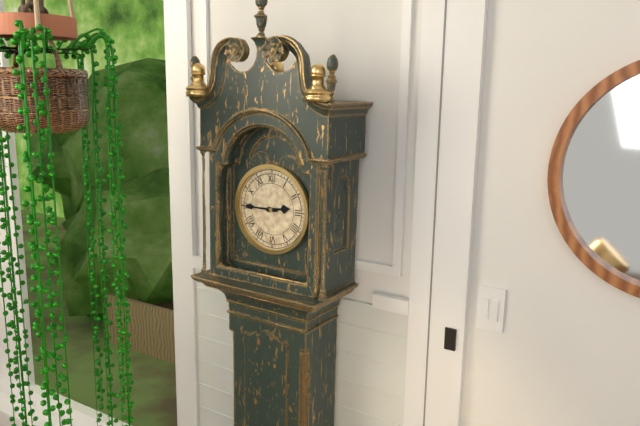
2:45
